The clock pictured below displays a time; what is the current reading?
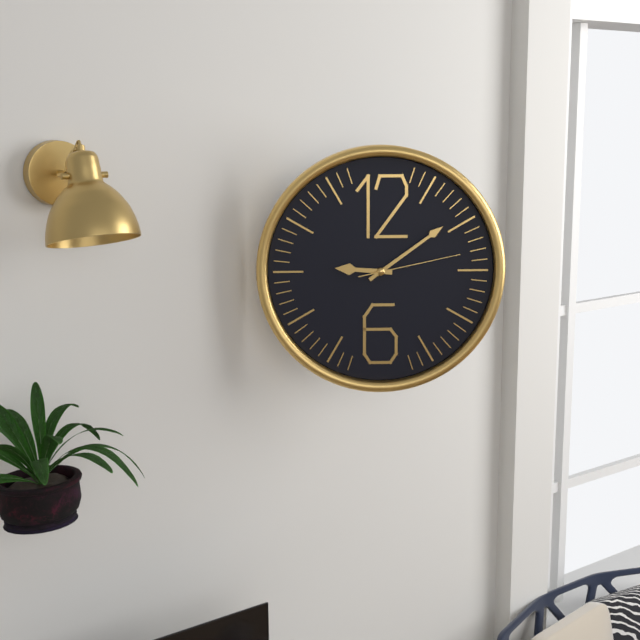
9:09:13
